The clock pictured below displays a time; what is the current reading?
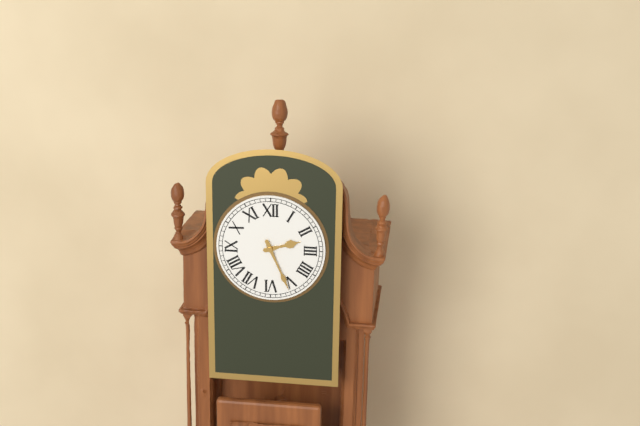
2:26
